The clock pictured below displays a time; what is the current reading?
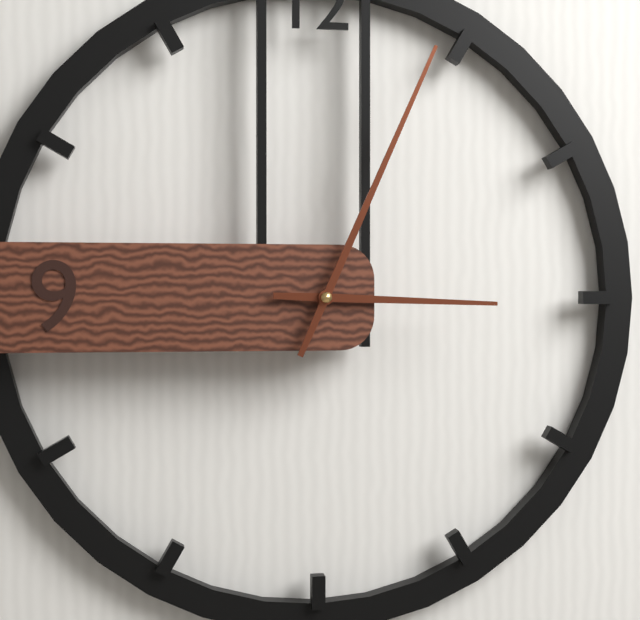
3:04
